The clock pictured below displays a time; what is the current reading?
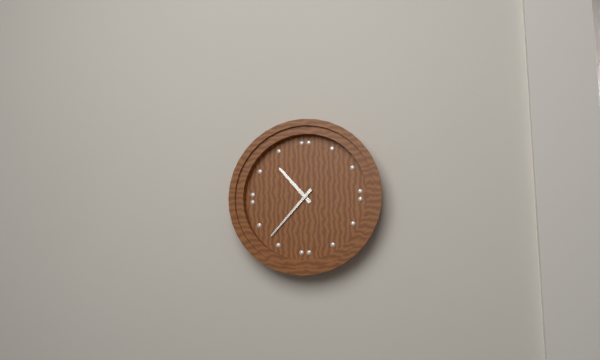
10:37
